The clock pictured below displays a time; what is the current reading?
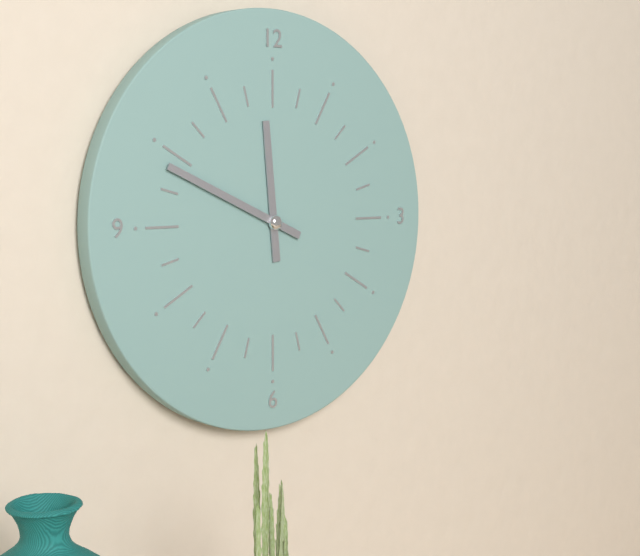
11:49
